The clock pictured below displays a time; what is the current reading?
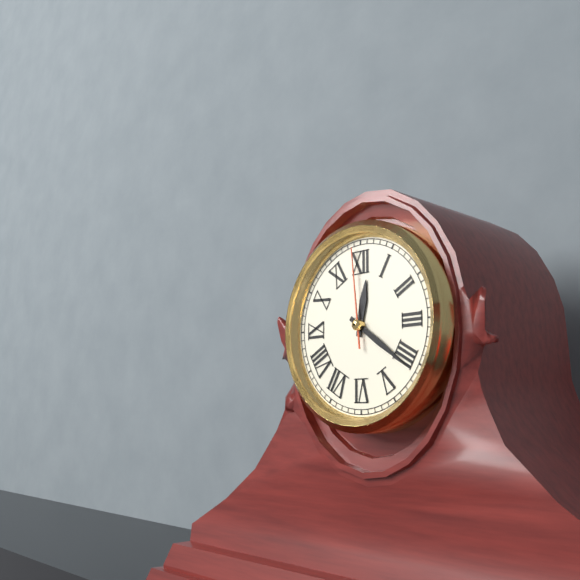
12:21:59
